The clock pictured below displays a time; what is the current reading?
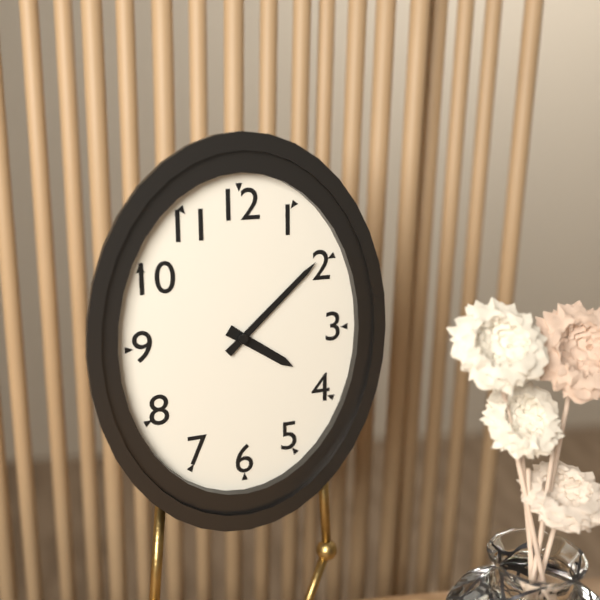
4:08
